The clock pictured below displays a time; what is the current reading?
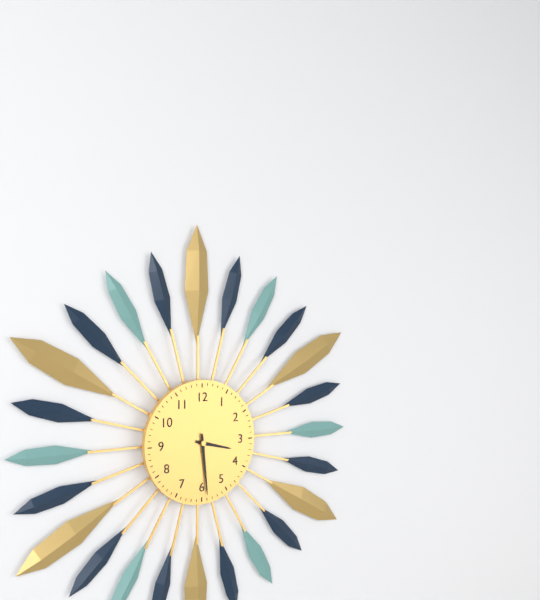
3:29
